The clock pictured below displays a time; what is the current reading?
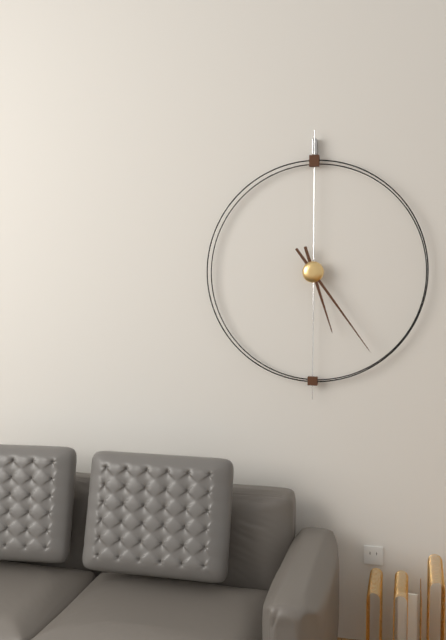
5:24
